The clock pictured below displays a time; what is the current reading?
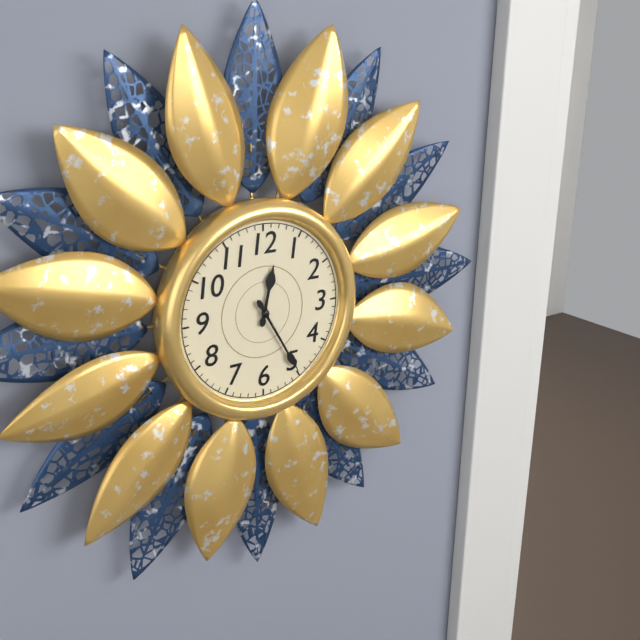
12:25
